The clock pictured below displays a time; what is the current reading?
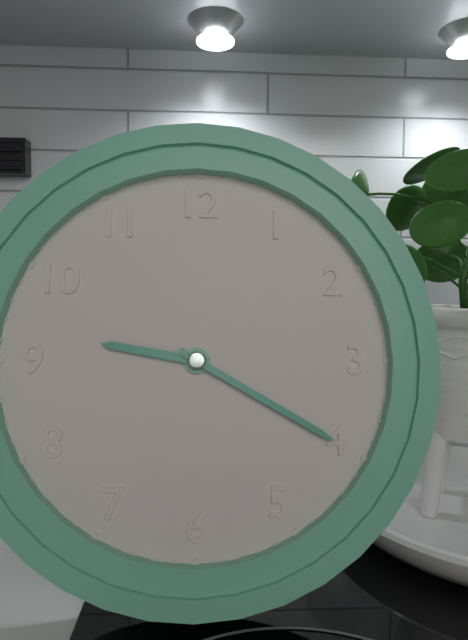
9:20
